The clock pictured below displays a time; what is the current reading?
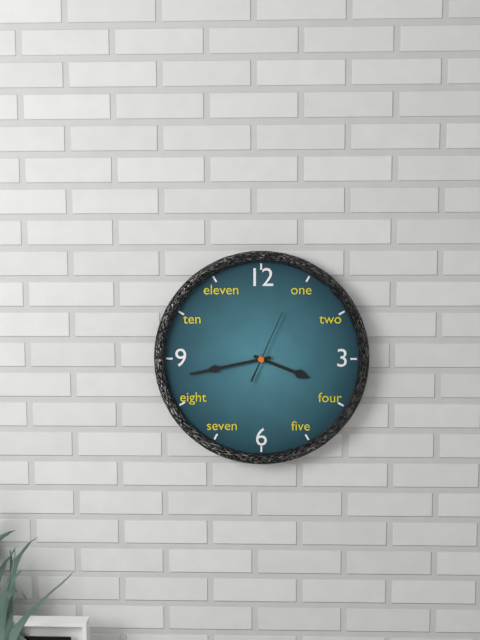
3:43:04
